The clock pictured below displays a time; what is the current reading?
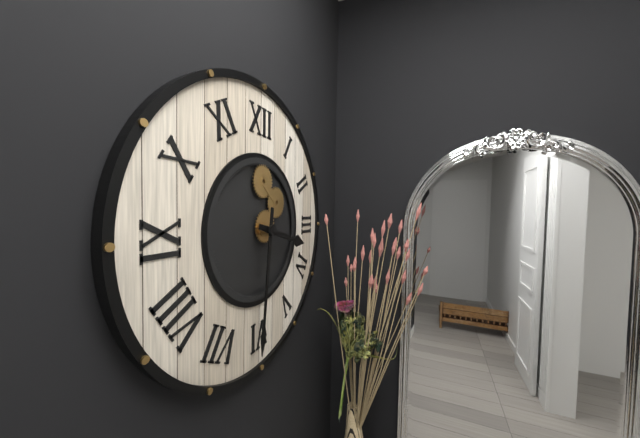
3:31
